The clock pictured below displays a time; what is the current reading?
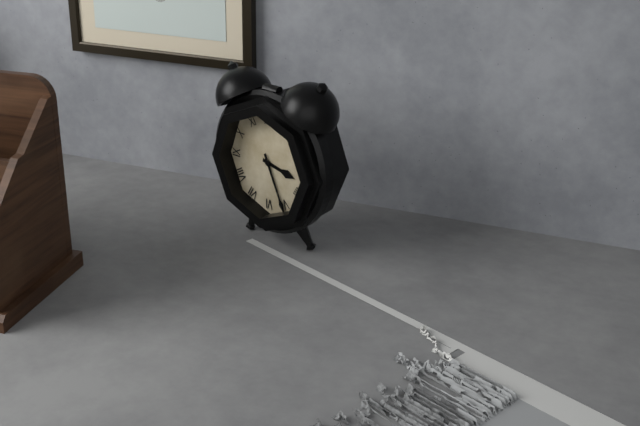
3:26
